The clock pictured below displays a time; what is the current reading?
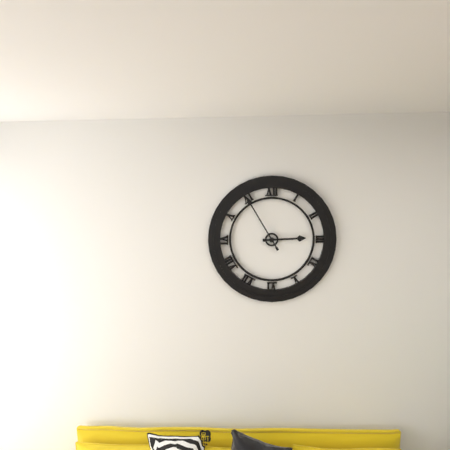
2:55
